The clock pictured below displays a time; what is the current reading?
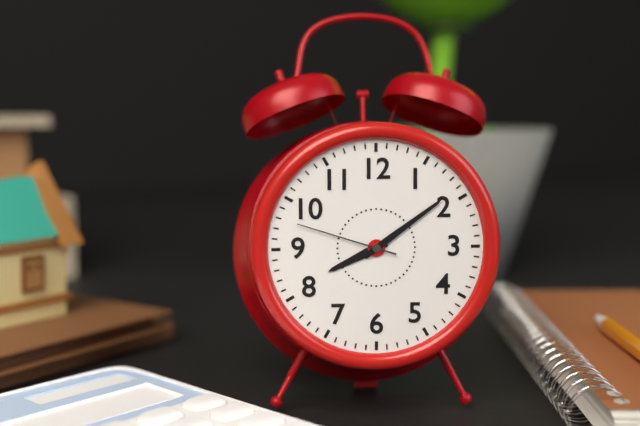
8:09:48
